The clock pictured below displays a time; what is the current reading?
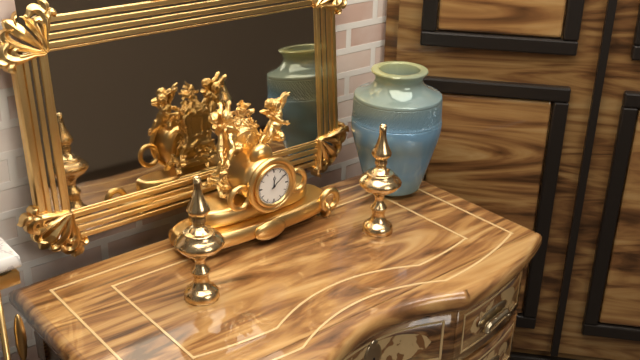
12:09
